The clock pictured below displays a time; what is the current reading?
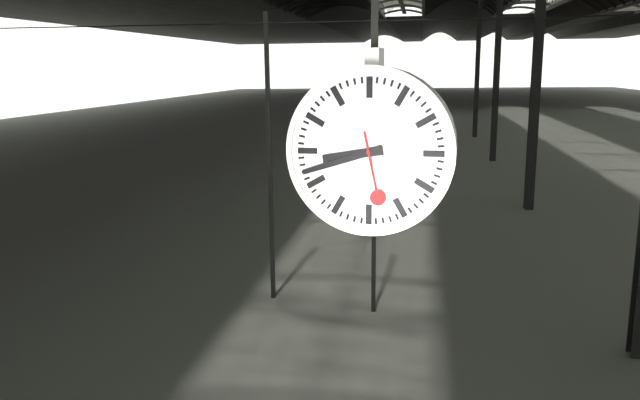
8:42:28
